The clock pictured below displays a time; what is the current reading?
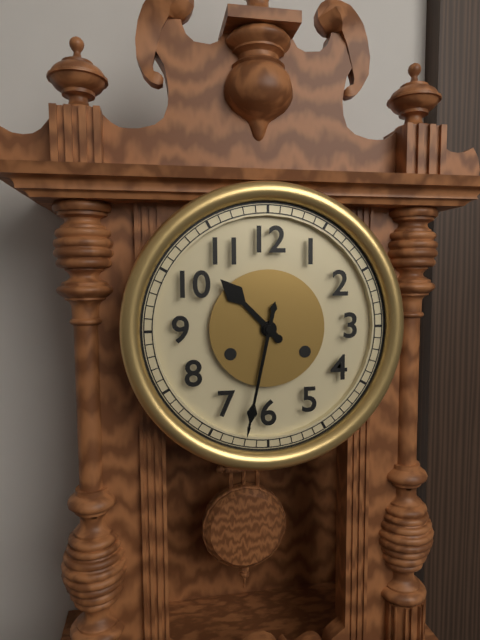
10:32
